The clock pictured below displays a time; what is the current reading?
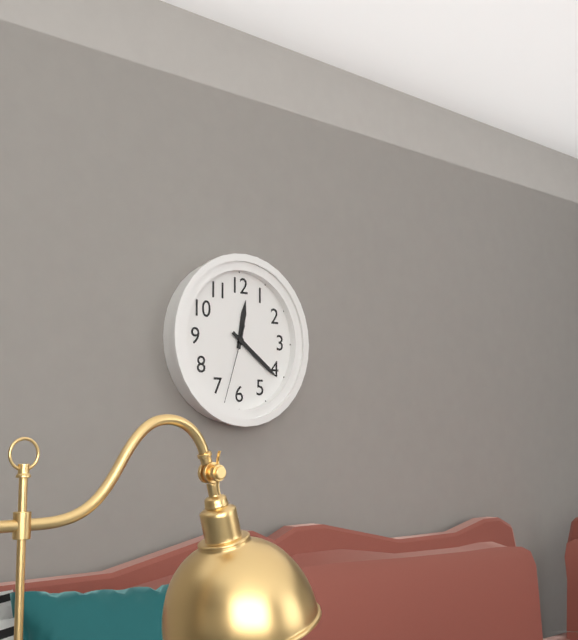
12:21:33
